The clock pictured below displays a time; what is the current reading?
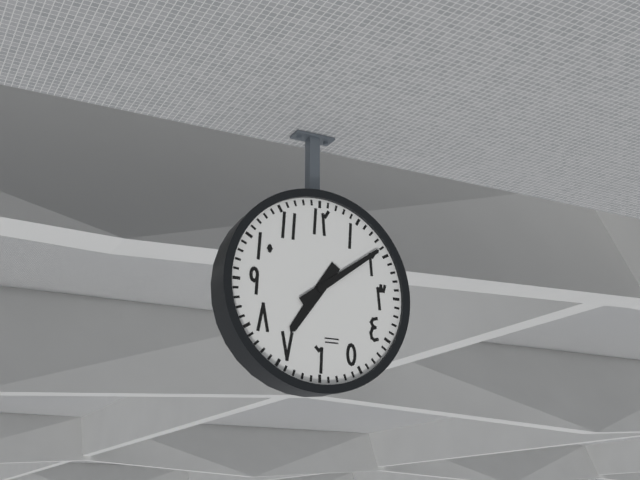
7:09
